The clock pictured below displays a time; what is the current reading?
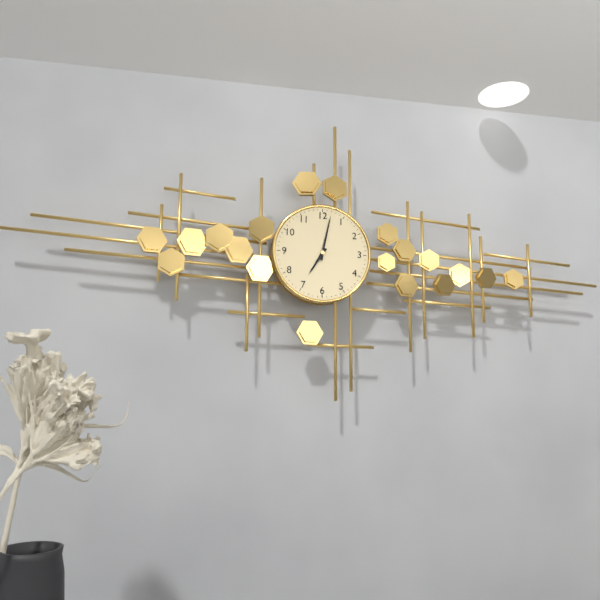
7:02
